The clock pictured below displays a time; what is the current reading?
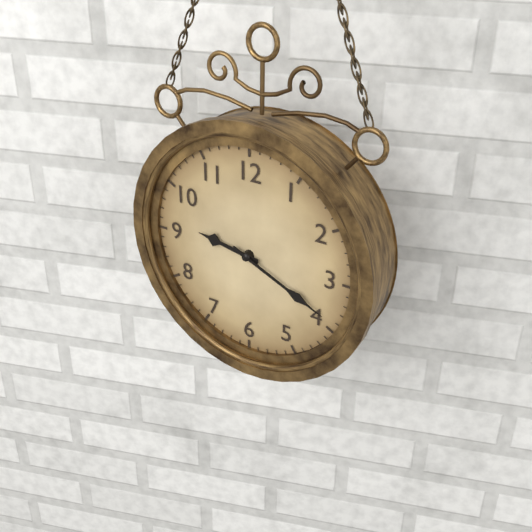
9:19
